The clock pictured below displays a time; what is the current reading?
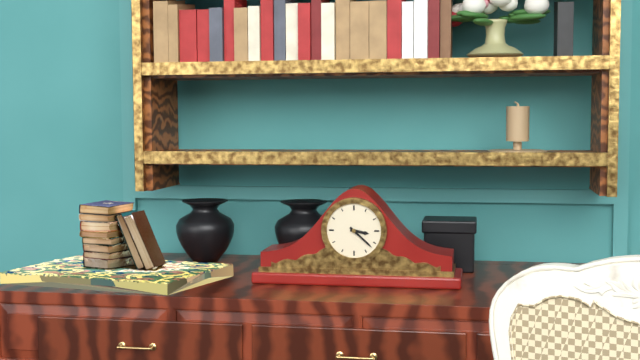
3:22
